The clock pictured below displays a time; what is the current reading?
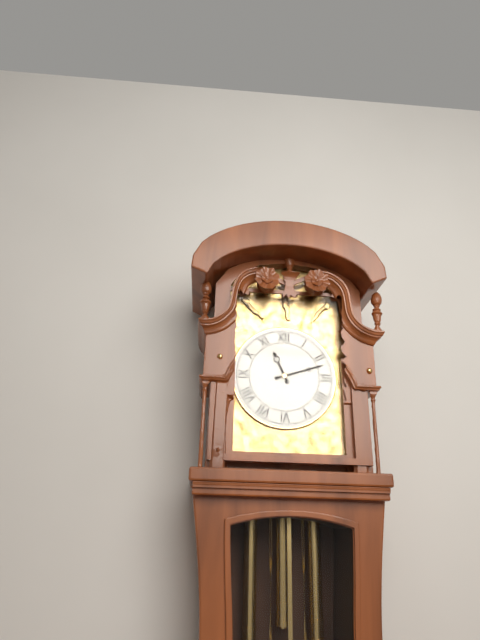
11:12
